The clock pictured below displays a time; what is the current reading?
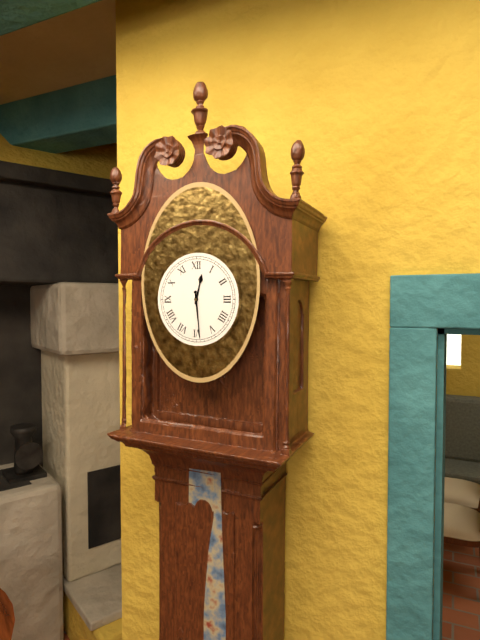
12:29
